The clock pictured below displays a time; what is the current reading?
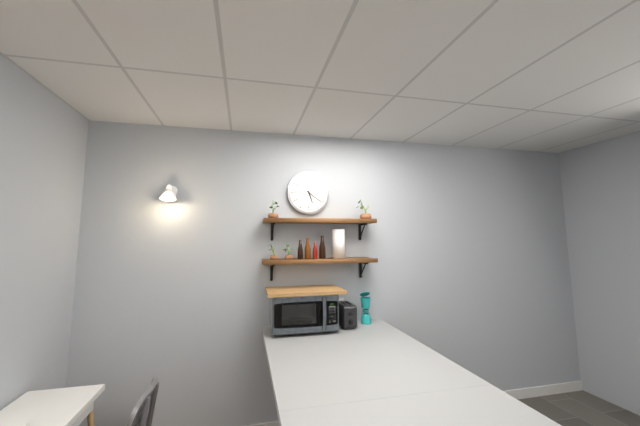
5:21
